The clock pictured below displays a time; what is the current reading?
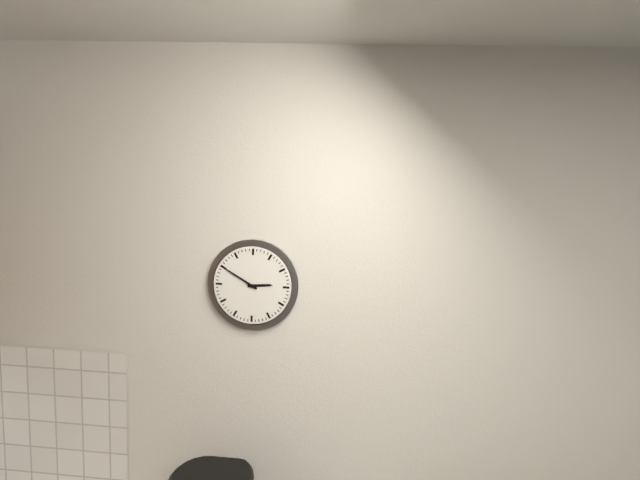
2:50
